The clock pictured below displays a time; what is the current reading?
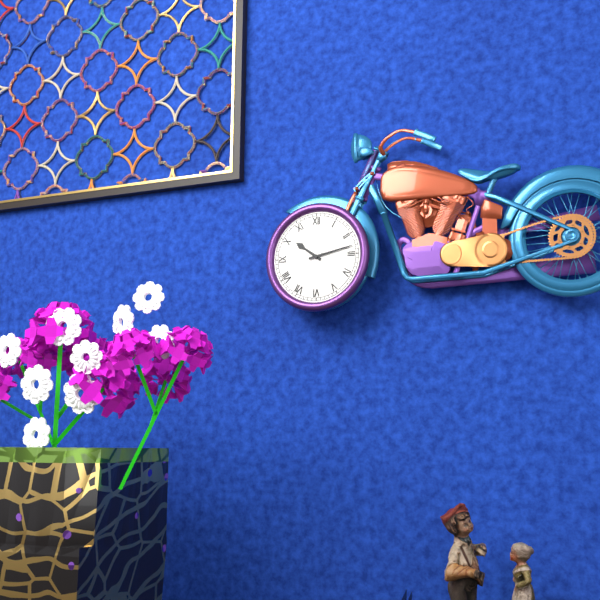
10:13
